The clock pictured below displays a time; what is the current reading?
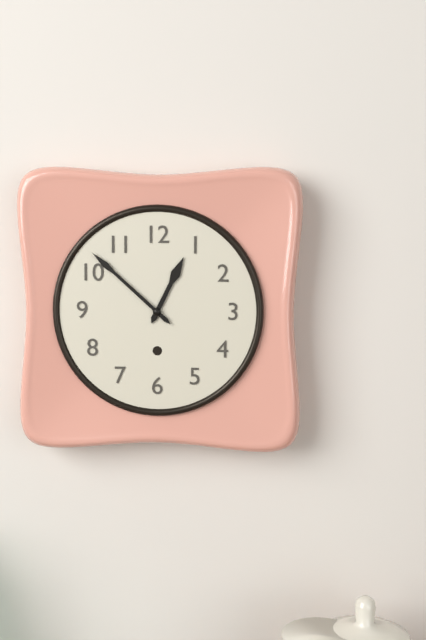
12:52
